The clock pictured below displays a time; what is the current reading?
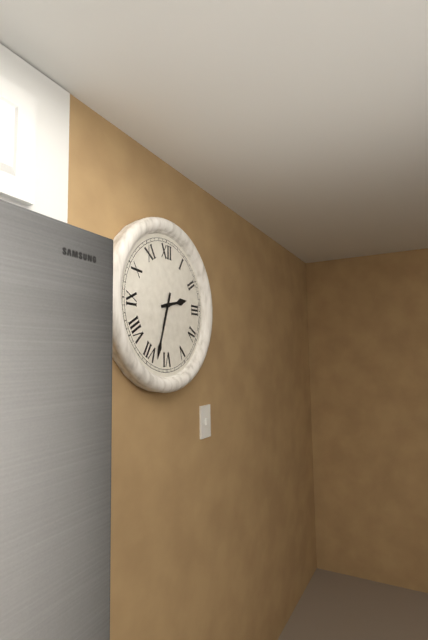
2:33
